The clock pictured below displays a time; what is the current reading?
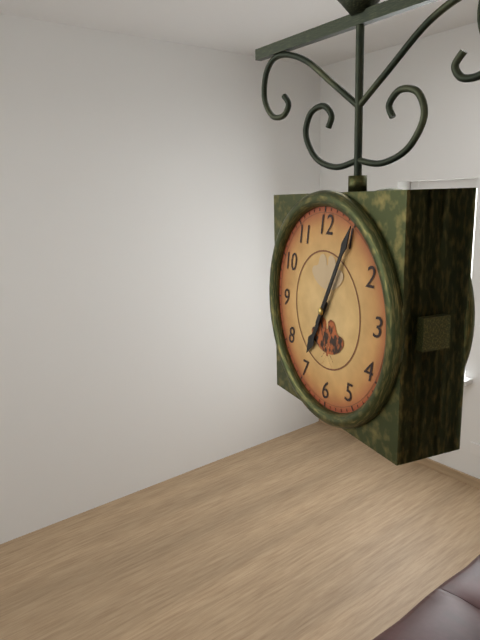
7:05
